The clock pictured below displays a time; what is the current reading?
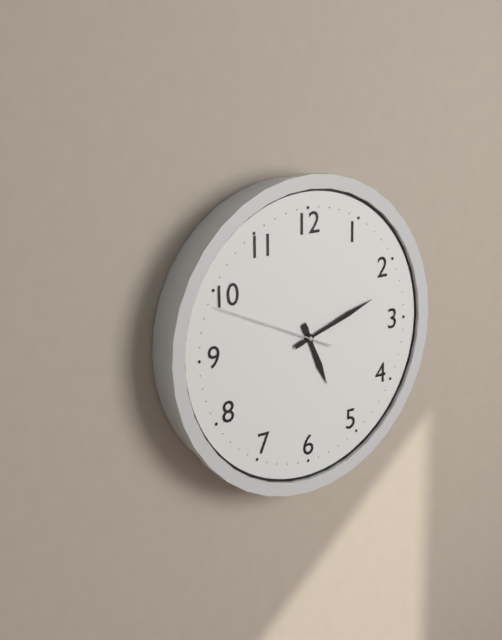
5:12:49
